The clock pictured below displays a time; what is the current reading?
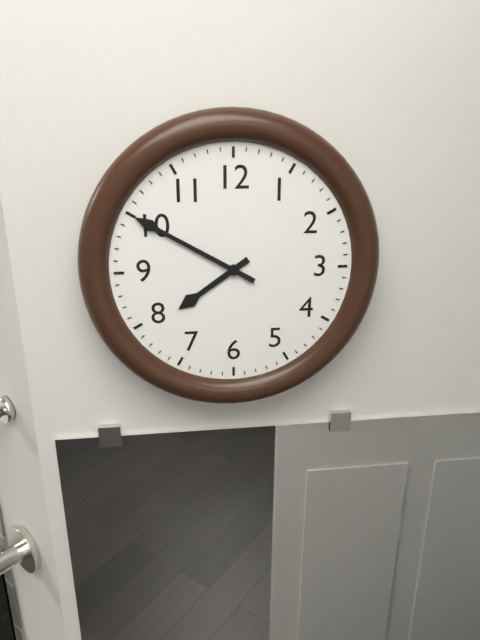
7:50
